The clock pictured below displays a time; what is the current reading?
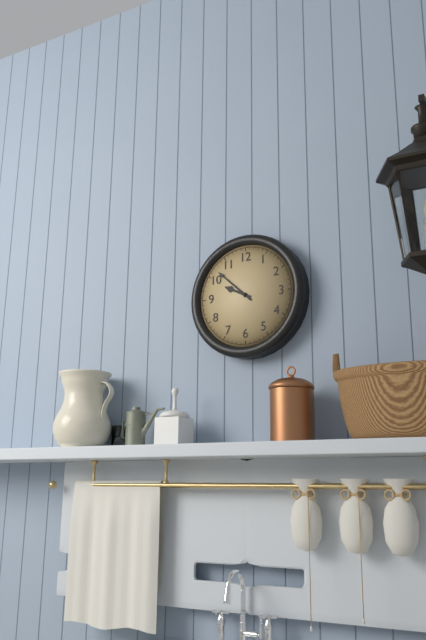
9:52
